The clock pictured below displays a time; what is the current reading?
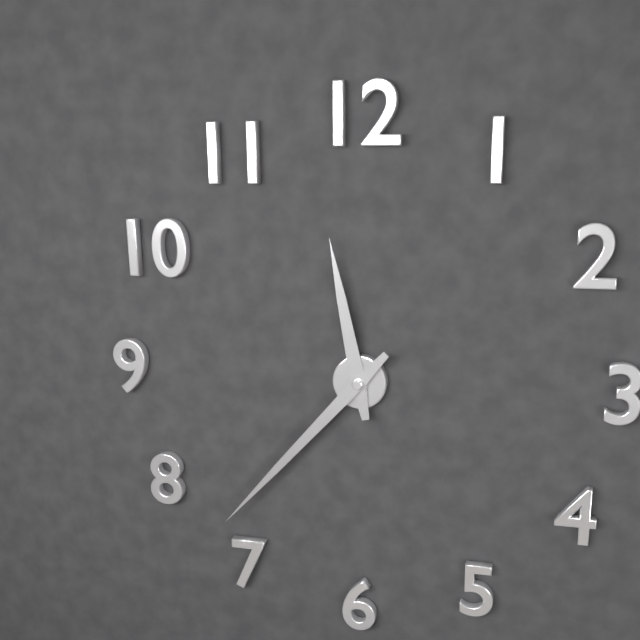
11:37
